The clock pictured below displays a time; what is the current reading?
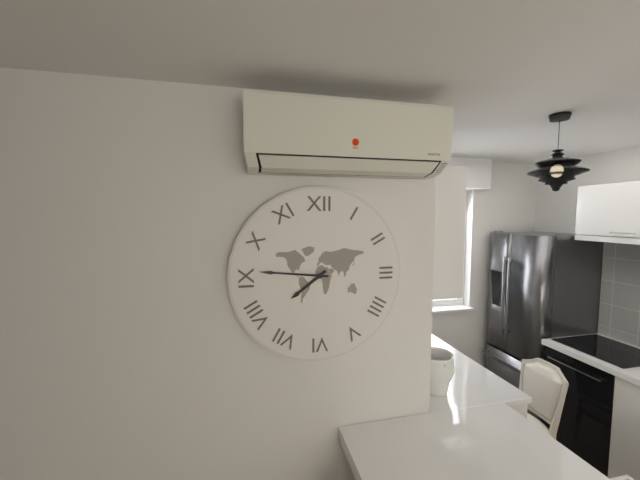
7:46
